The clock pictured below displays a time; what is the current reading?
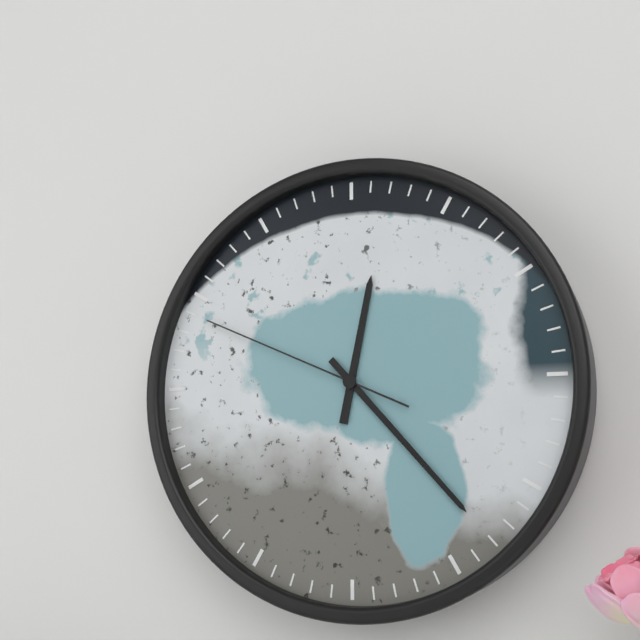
12:23:49
